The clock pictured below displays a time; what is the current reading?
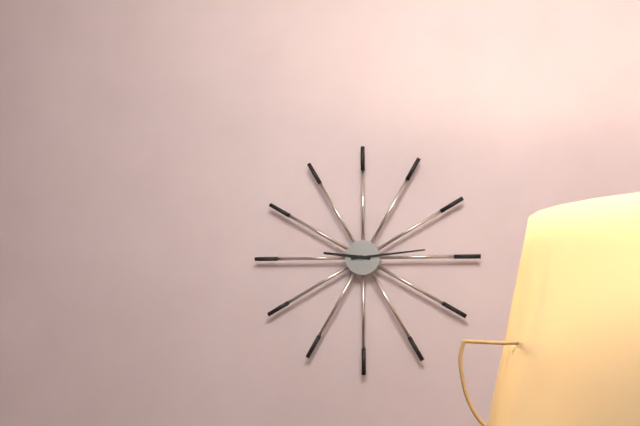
9:14
